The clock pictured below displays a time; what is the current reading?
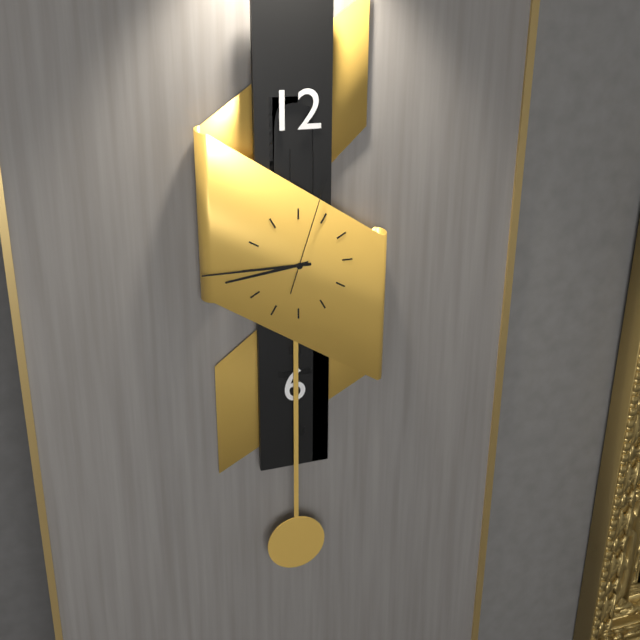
8:45:03
